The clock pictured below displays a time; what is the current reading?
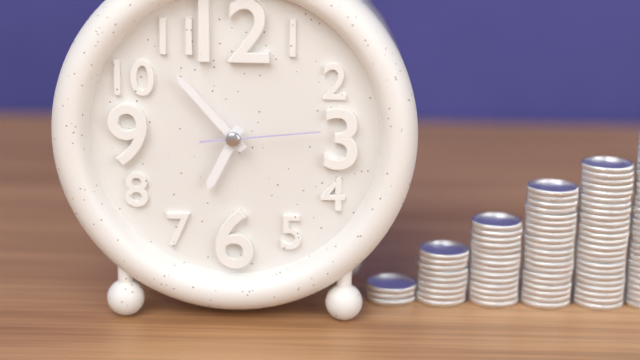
6:53:14
